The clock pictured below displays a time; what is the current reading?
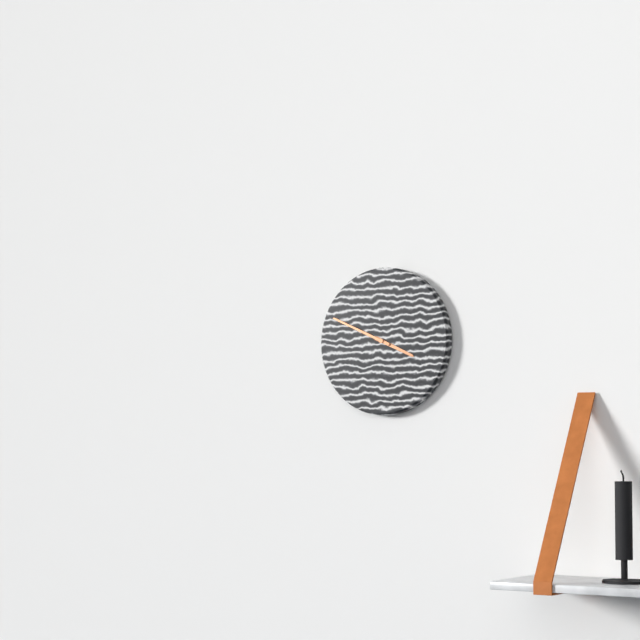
3:49
